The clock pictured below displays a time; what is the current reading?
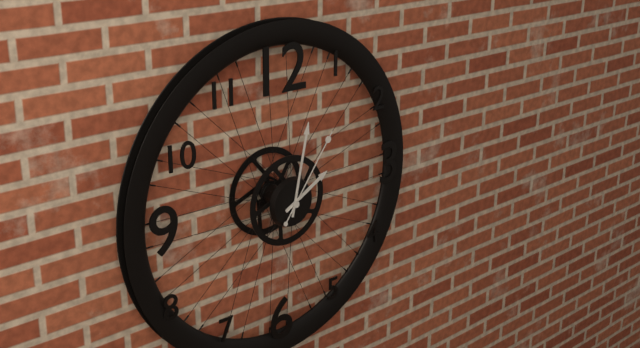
2:02:06
